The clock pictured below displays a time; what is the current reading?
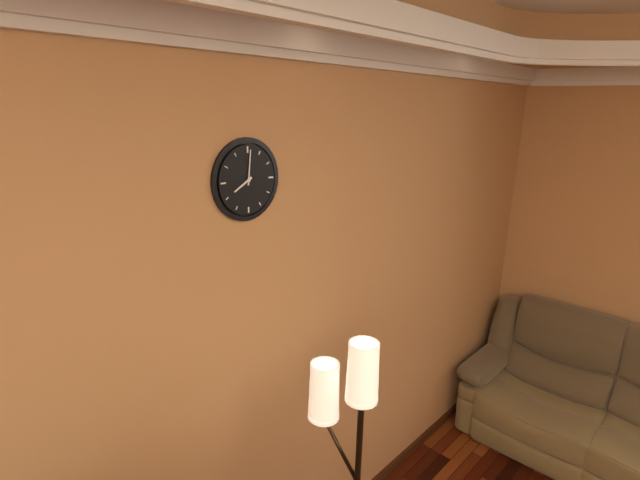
8:01
